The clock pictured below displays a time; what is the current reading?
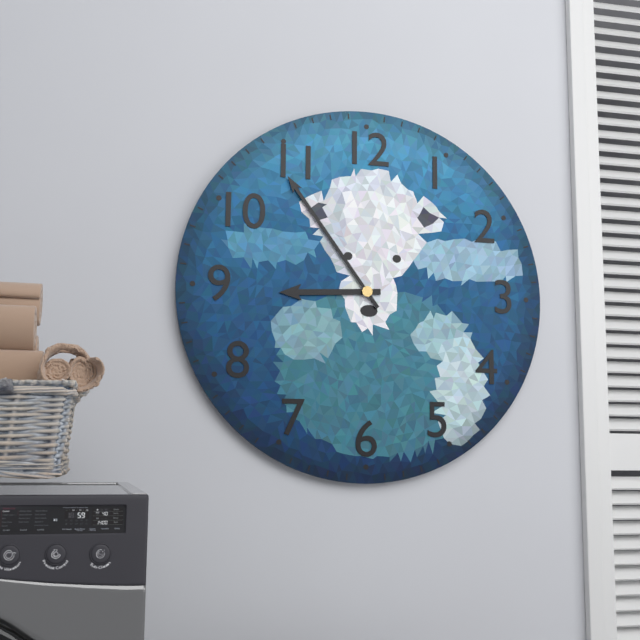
8:54
